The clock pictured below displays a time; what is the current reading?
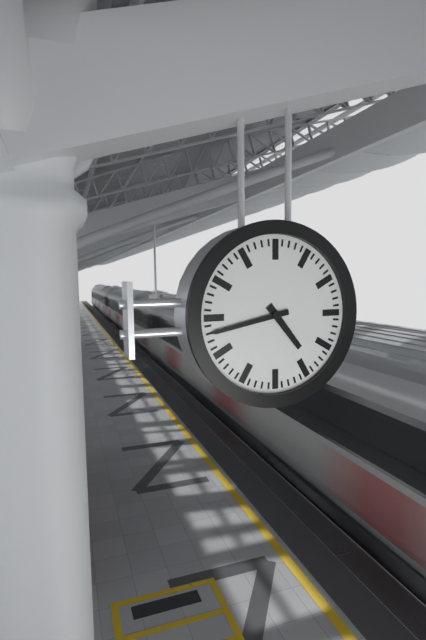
4:43
